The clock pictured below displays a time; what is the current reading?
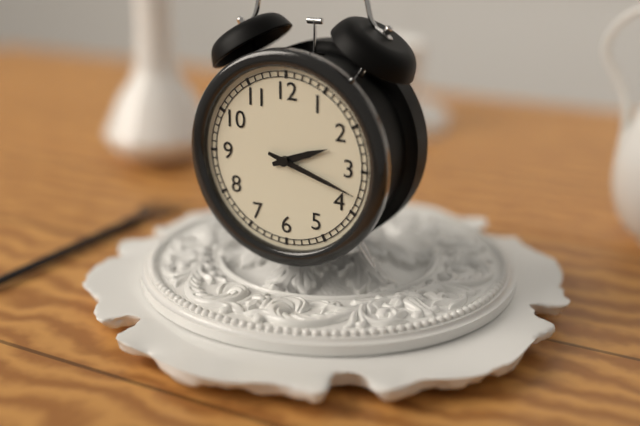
2:18
